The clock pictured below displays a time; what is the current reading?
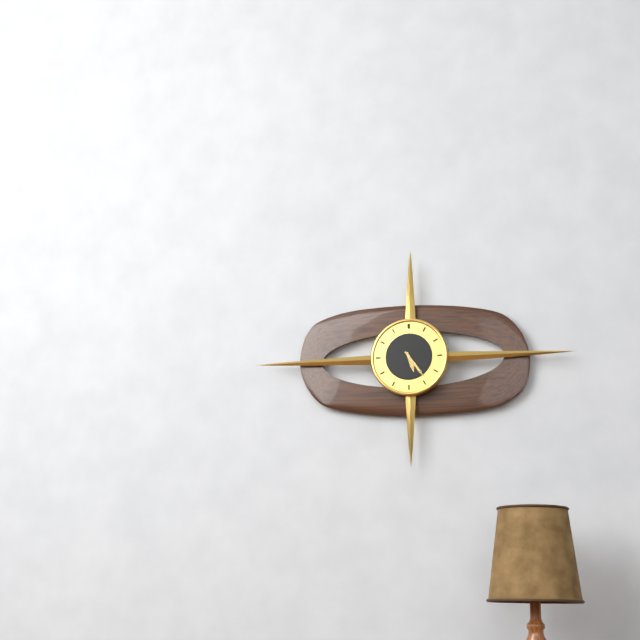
5:24
